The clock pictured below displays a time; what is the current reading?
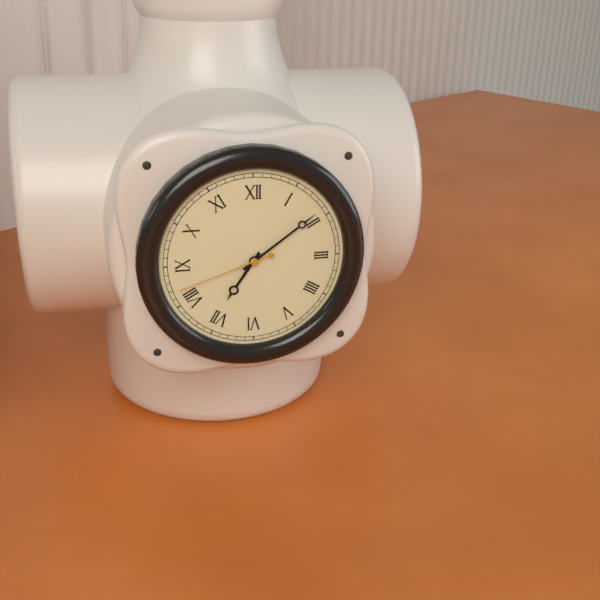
7:09:42
